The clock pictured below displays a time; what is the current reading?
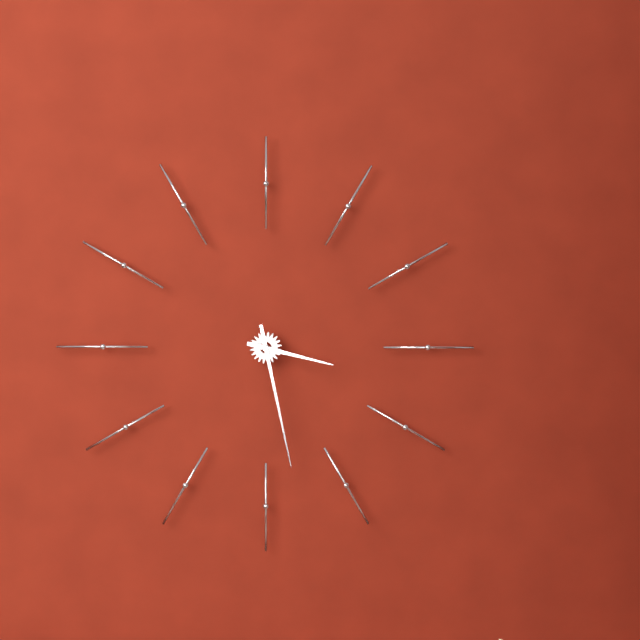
3:28
